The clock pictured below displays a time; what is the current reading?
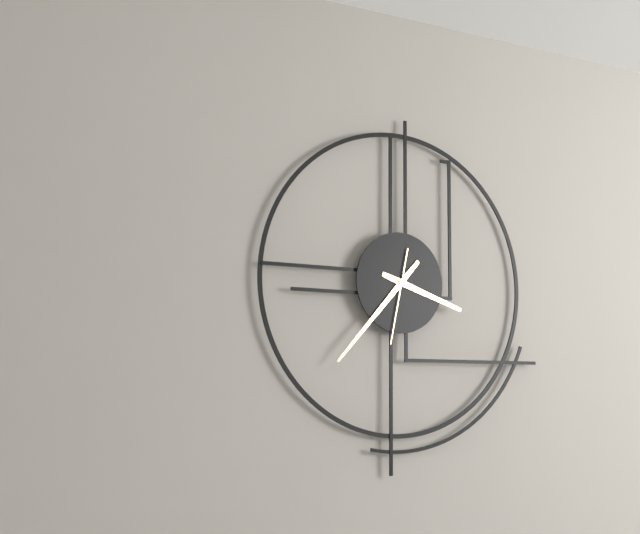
3:37:32
